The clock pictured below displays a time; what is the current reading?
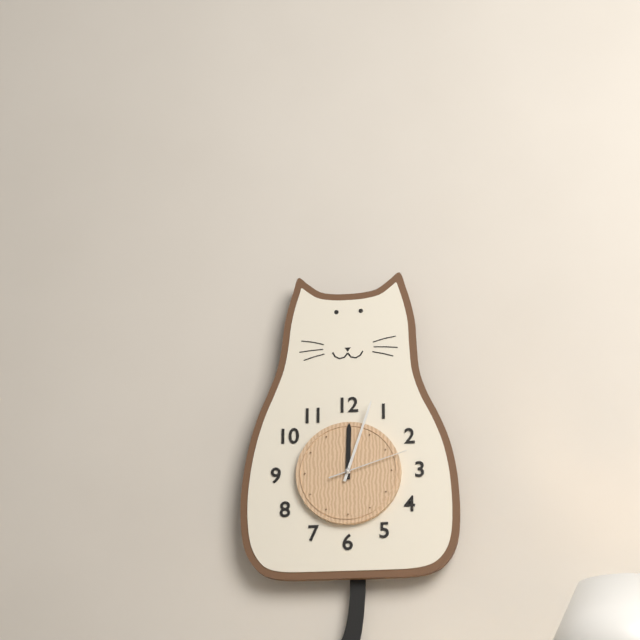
12:03:12
